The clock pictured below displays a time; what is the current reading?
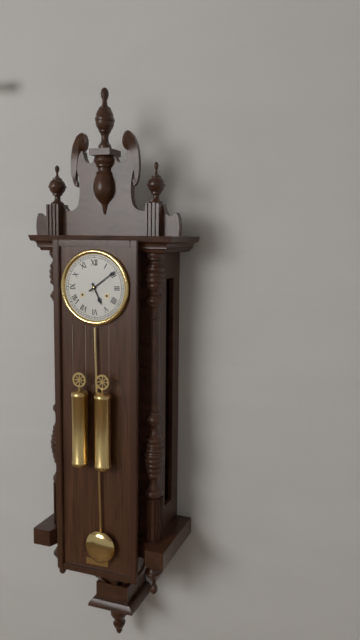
5:09
